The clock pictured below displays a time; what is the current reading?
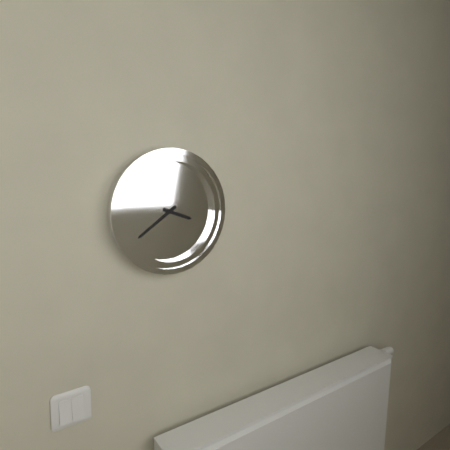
3:39
